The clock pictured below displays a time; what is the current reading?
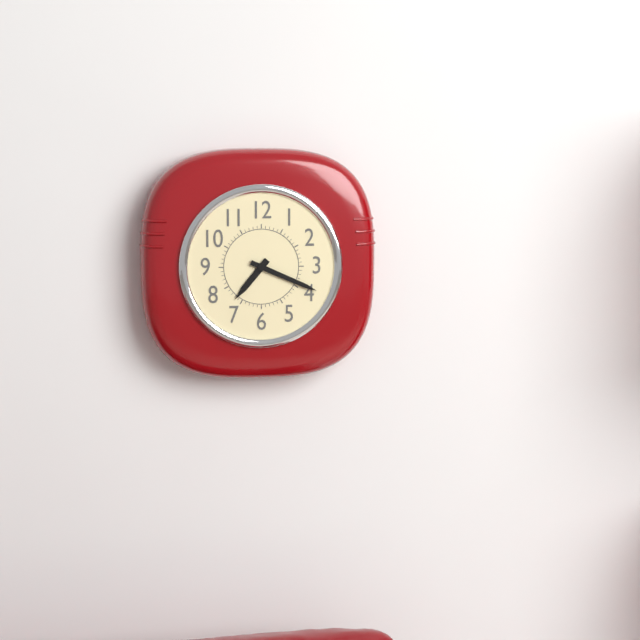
7:19
